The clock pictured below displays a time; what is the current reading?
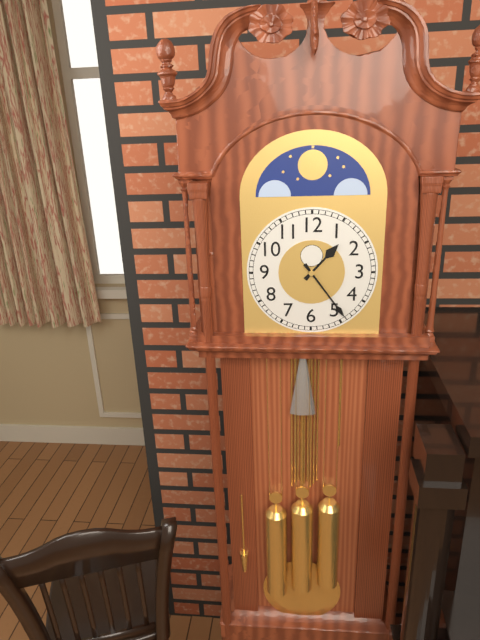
1:24
